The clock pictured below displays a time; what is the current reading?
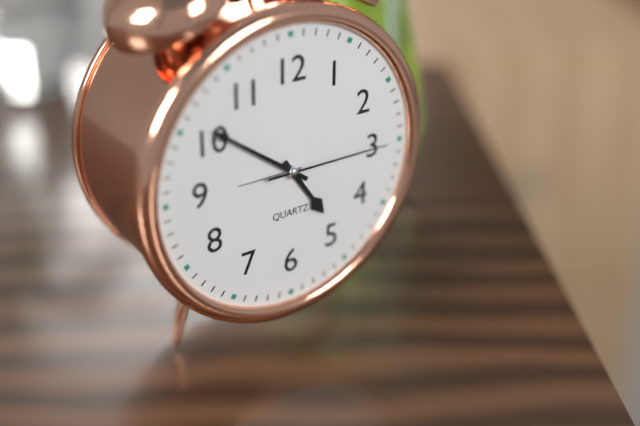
4:51:15
